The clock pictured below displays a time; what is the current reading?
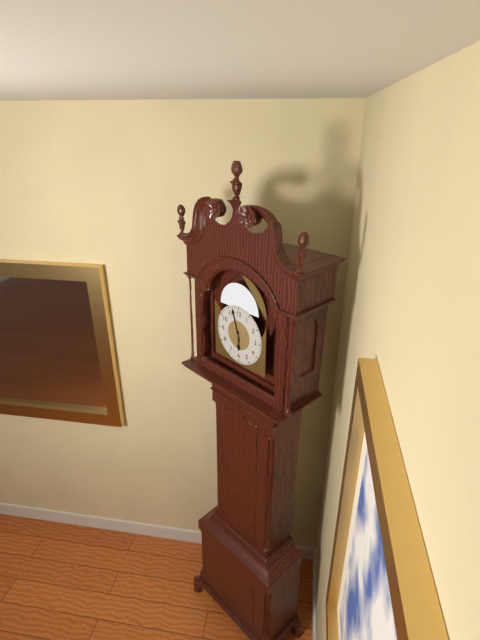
5:57
